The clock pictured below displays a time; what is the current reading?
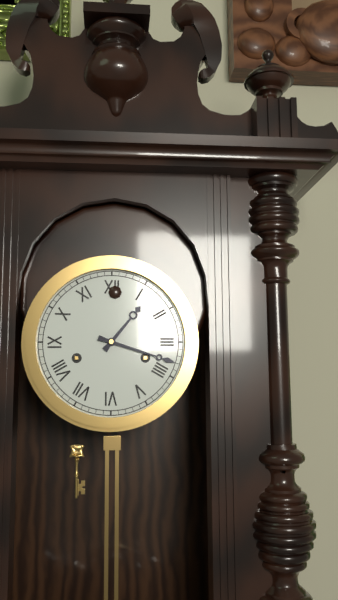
1:18
